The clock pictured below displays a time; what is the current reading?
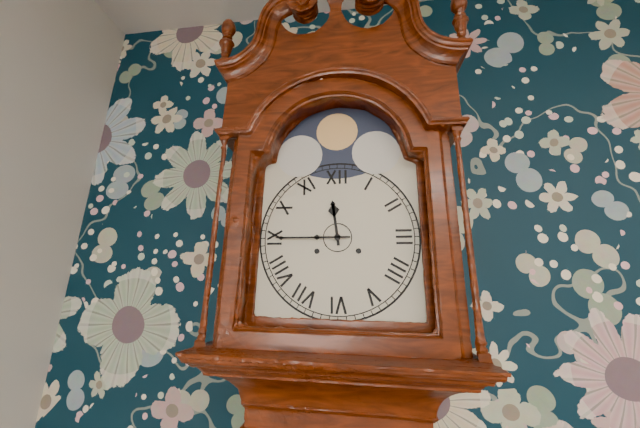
11:45
